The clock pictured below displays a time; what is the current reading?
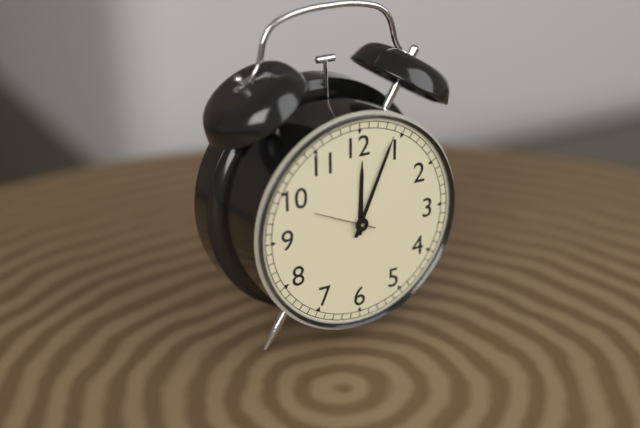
12:04:49
